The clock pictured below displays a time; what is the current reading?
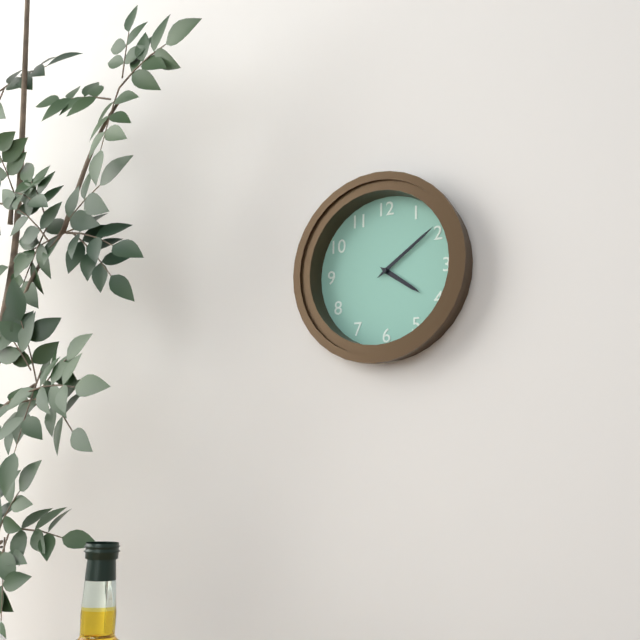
4:09
